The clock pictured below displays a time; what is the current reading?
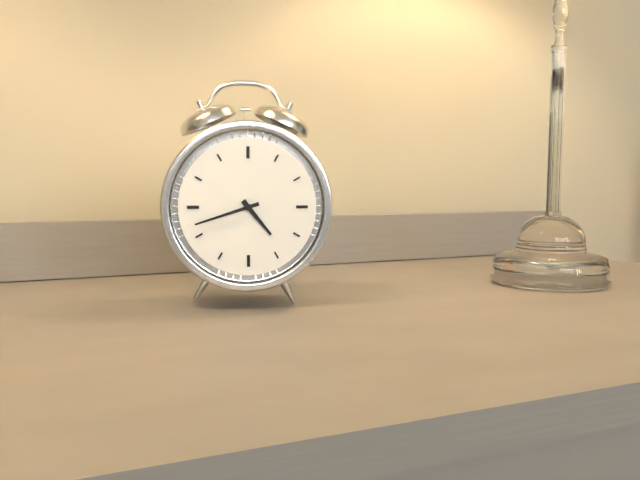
4:42
